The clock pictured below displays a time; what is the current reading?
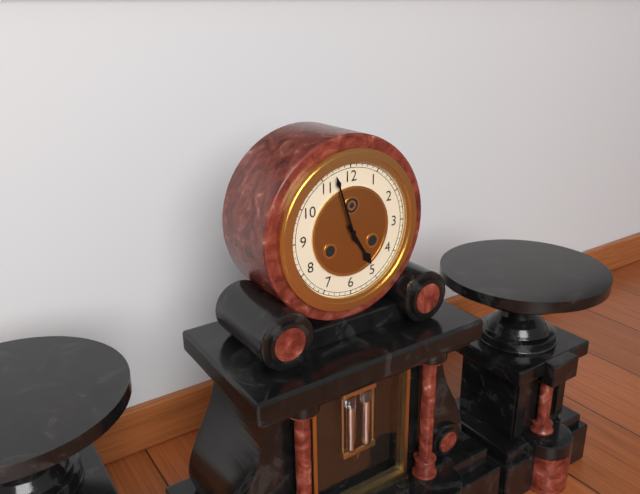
4:57
